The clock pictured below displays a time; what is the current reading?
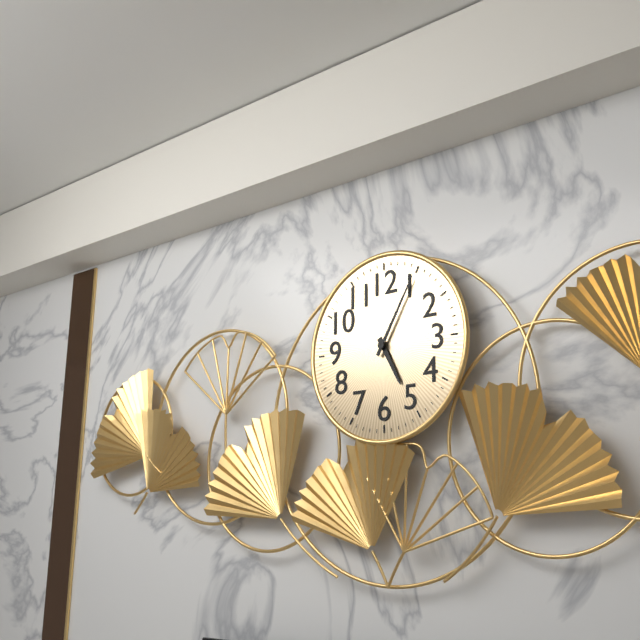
5:05
